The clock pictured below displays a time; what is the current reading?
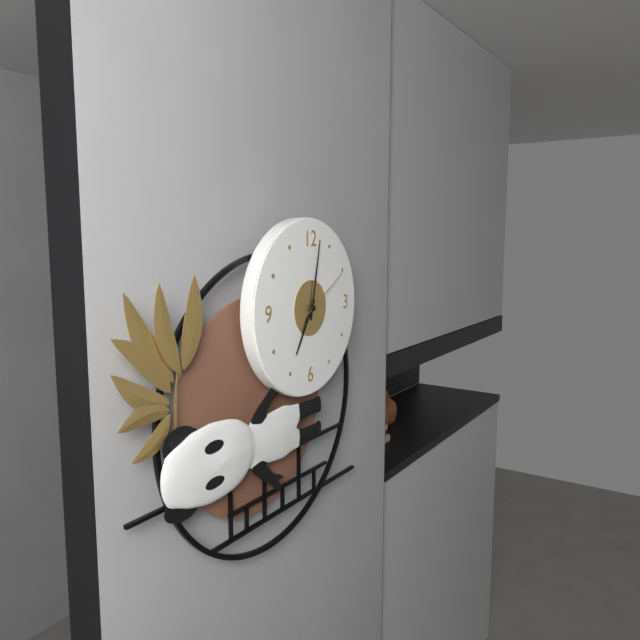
7:02:10
